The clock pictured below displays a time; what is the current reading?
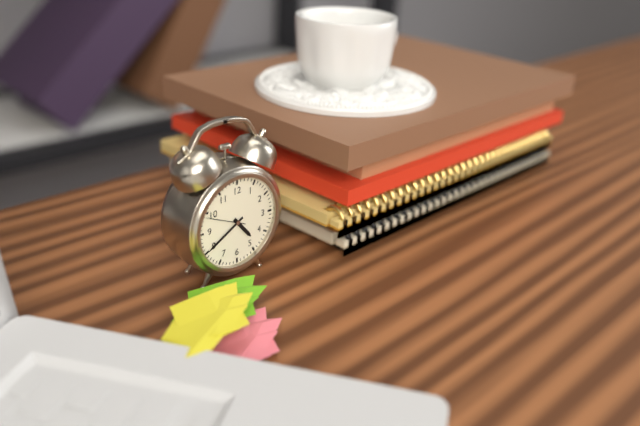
4:40
